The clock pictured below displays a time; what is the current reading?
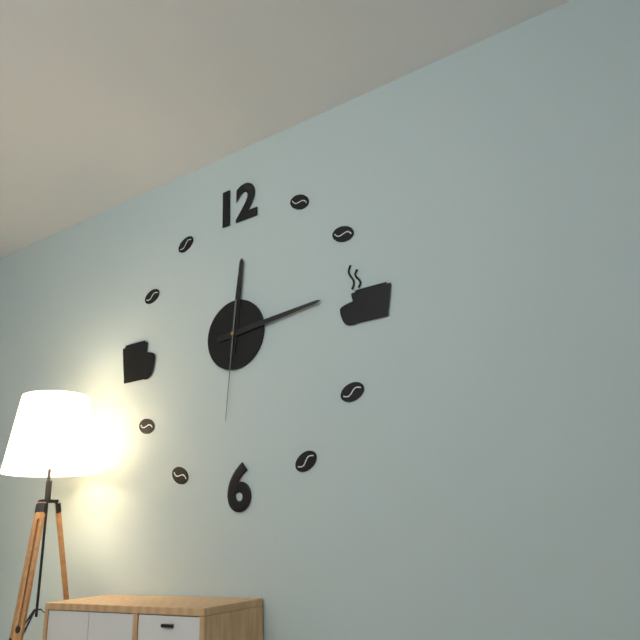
12:14:31
